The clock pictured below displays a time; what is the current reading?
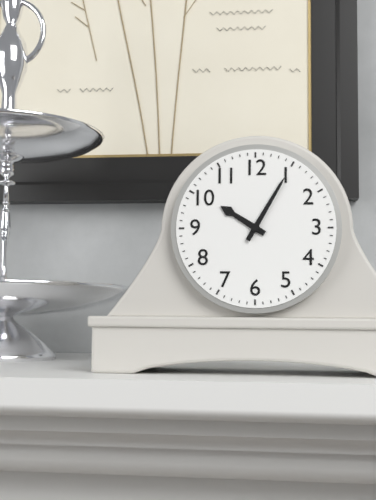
10:05
